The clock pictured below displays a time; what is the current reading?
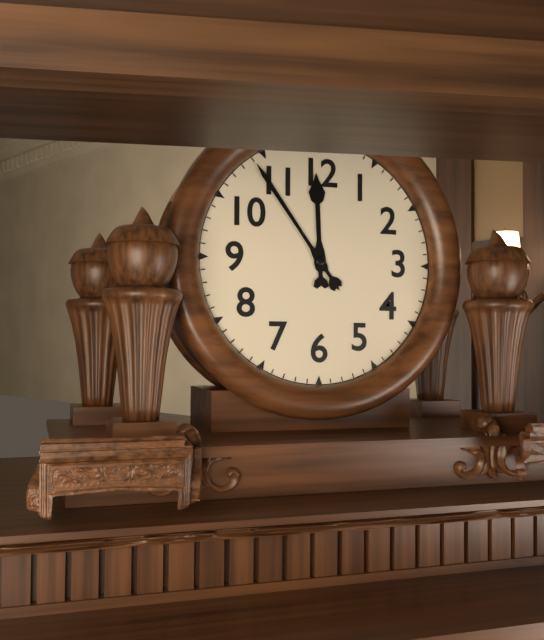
11:54
